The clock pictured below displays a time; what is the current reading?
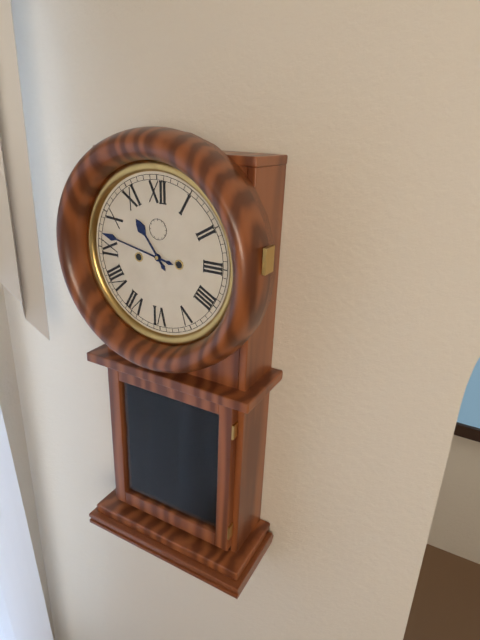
10:47
